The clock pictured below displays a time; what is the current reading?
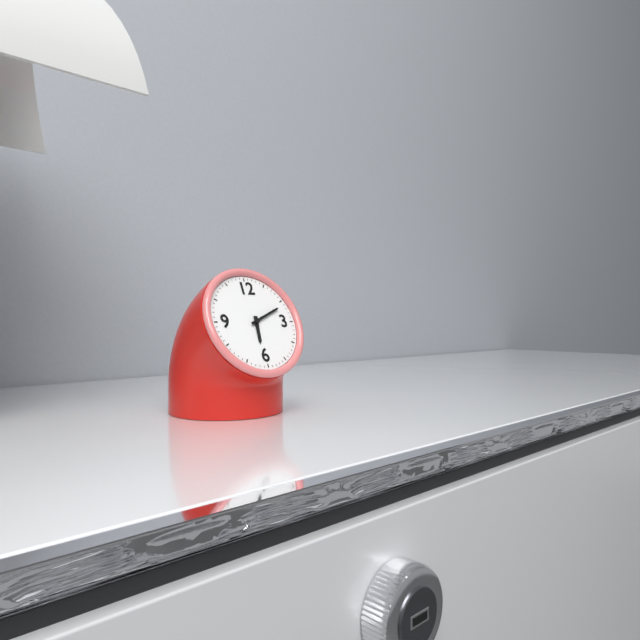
6:11
